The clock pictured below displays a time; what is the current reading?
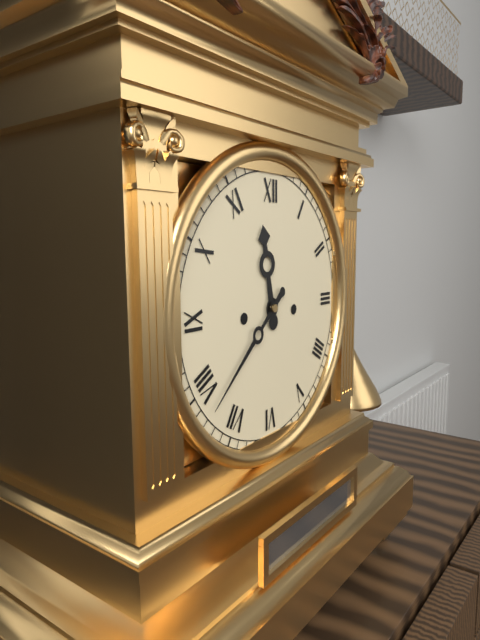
11:38
